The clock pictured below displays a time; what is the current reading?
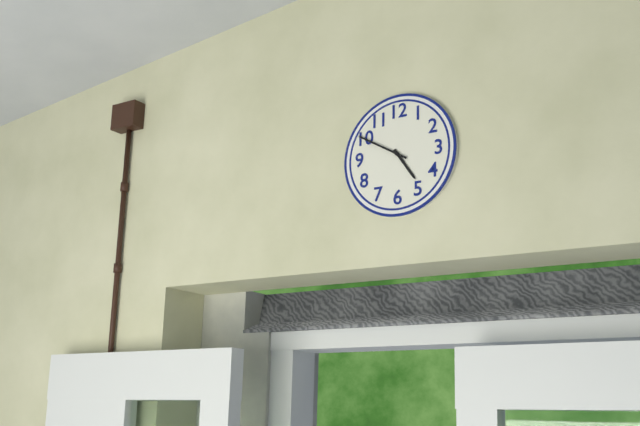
4:50
